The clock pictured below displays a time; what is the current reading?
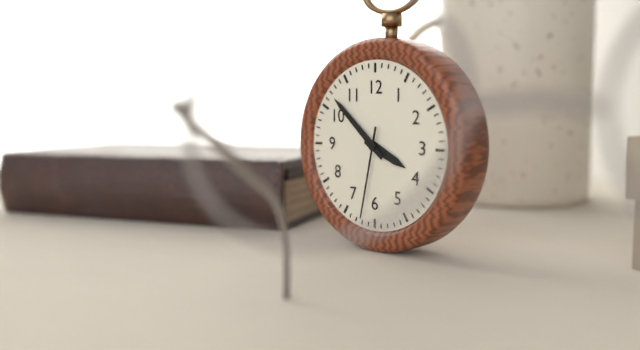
3:52:32
